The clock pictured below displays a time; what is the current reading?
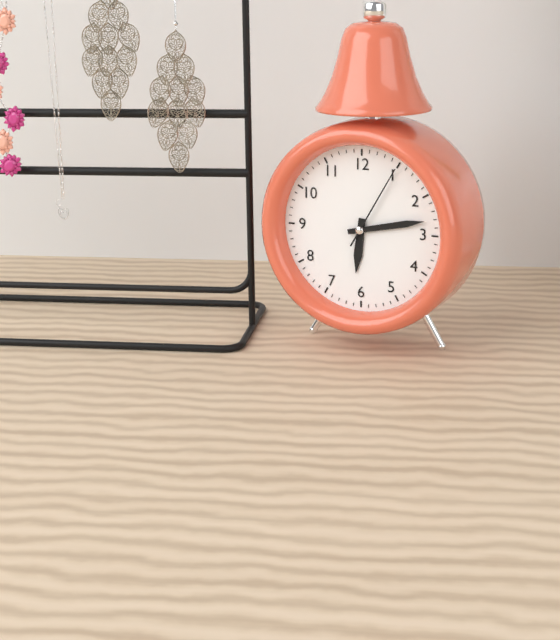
6:13:05
